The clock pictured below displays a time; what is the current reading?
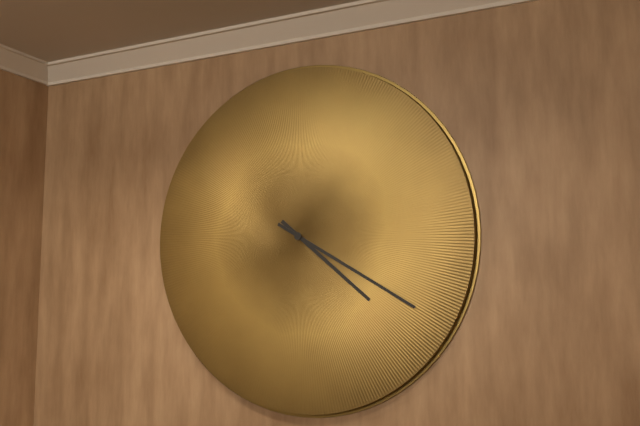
4:20
